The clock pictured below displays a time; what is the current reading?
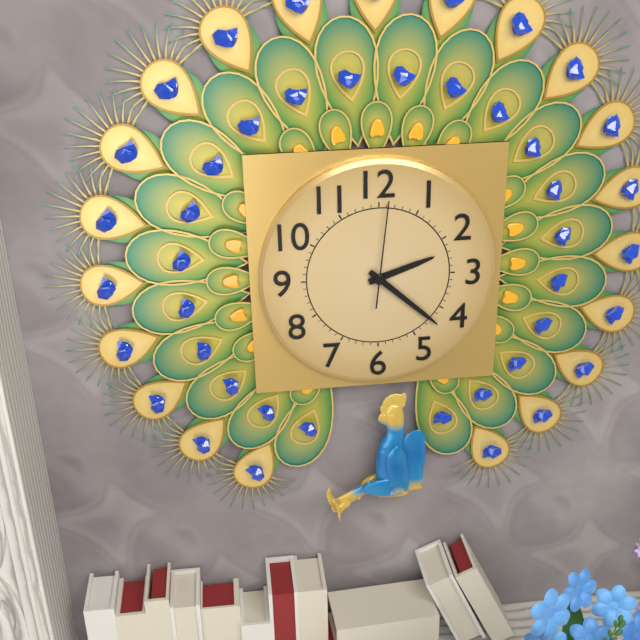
2:22:01
